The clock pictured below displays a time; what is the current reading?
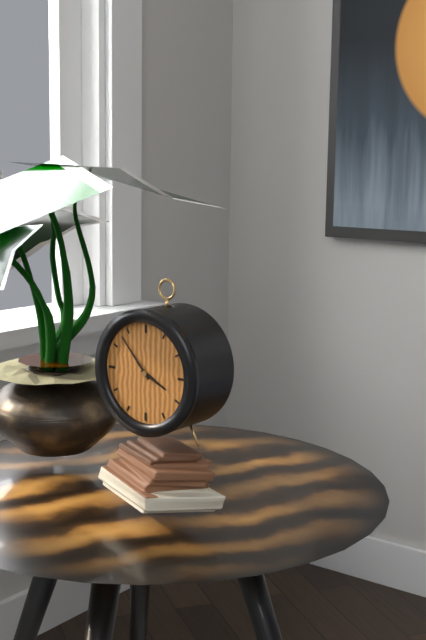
3:53
